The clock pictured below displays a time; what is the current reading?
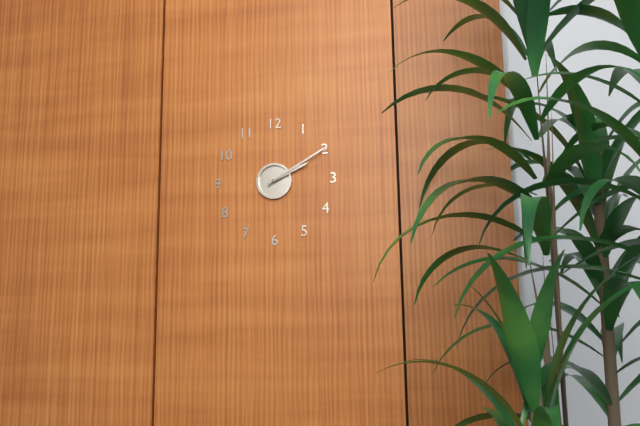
2:10
